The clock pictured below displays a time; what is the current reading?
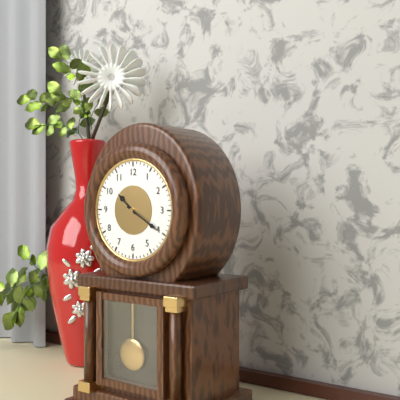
10:20
